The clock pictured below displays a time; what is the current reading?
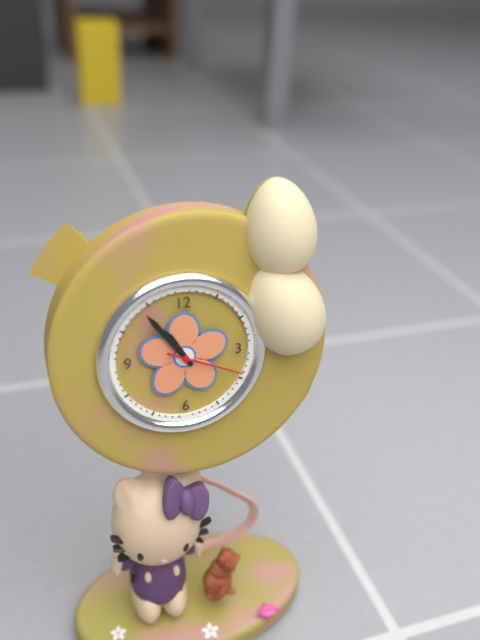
10:54:19
